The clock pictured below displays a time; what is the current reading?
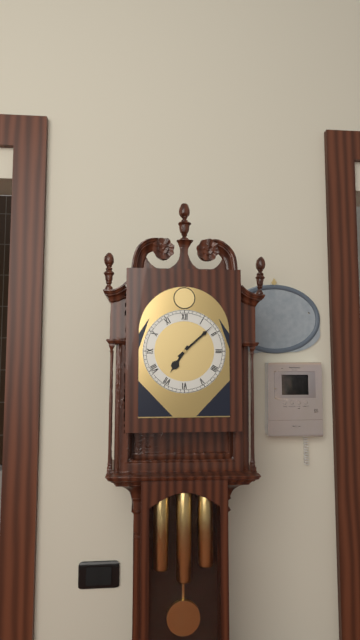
7:08
